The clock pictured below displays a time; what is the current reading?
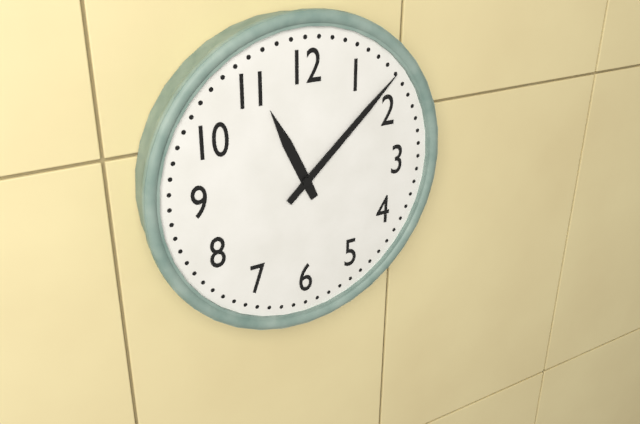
11:08
